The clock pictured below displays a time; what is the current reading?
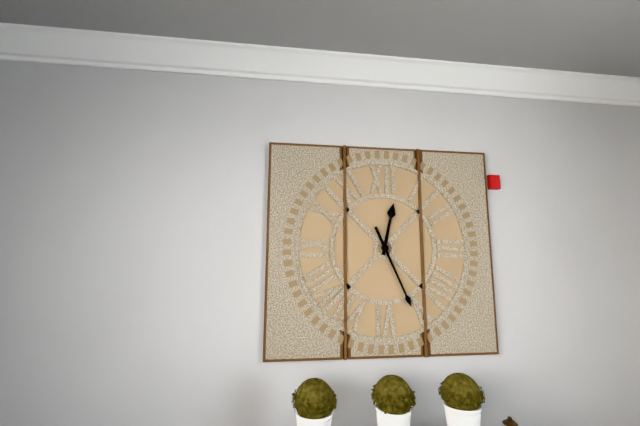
12:26
